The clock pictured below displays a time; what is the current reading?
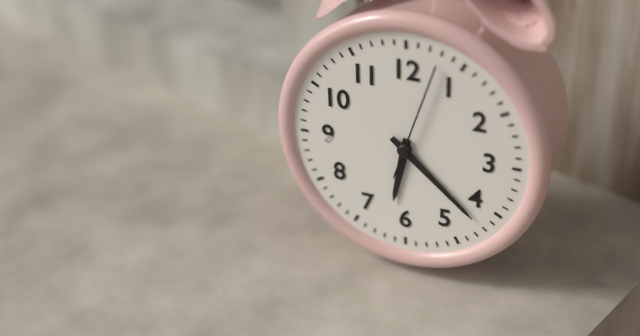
6:22:03
